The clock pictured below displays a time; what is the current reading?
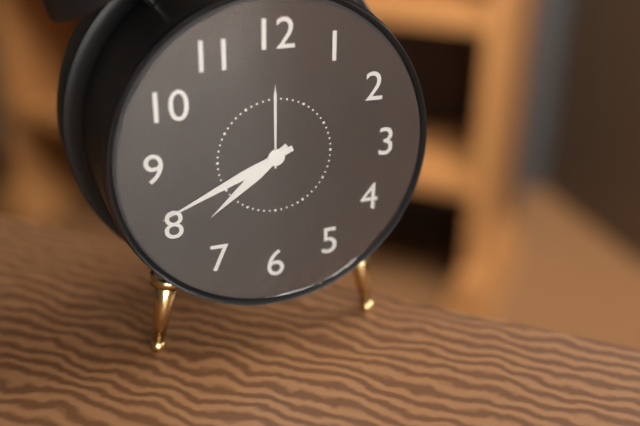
7:41
